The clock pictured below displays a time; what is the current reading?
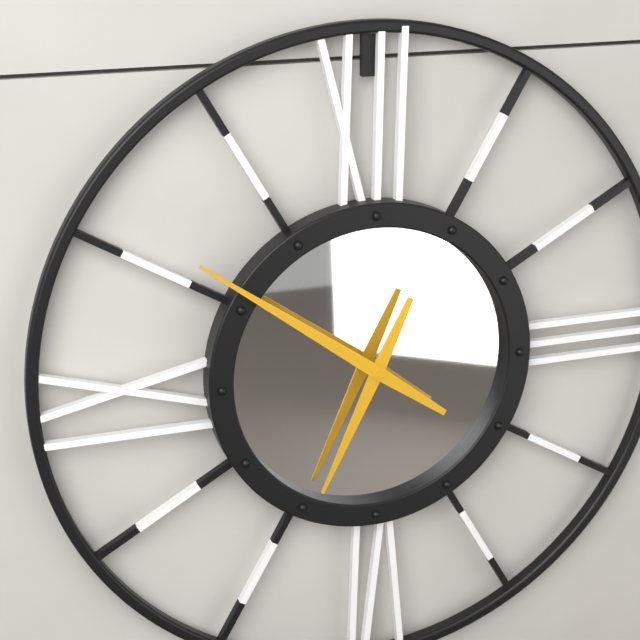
6:51
